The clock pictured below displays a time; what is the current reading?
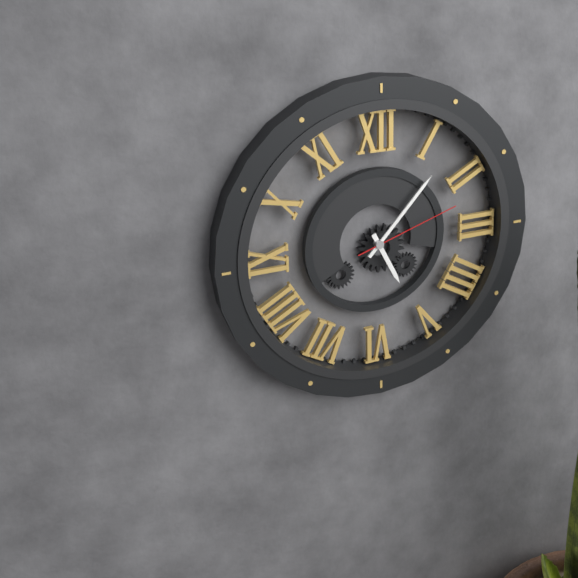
5:07:12
